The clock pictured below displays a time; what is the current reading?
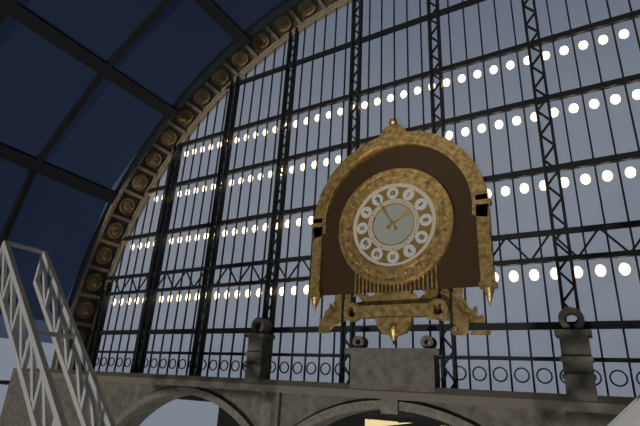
1:55
